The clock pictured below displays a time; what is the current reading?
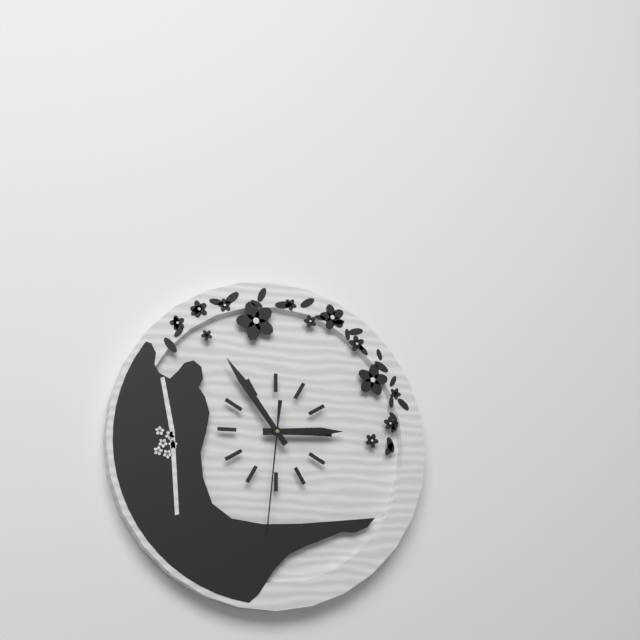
2:54:31
